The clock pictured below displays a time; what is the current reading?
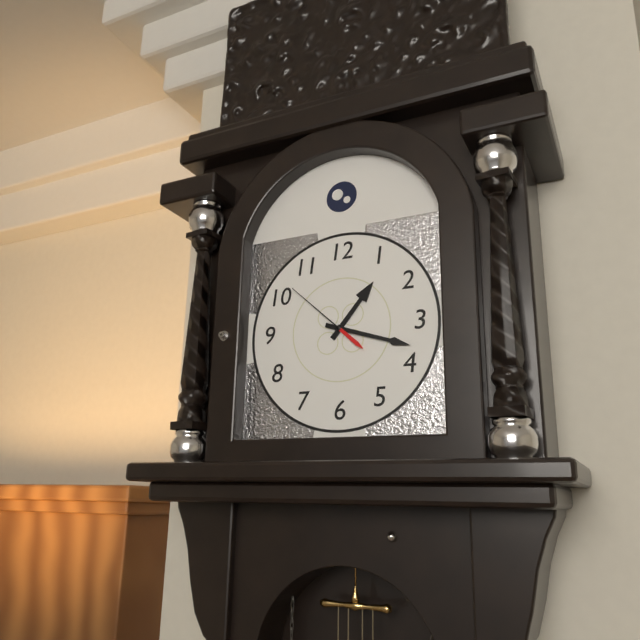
1:18:52
